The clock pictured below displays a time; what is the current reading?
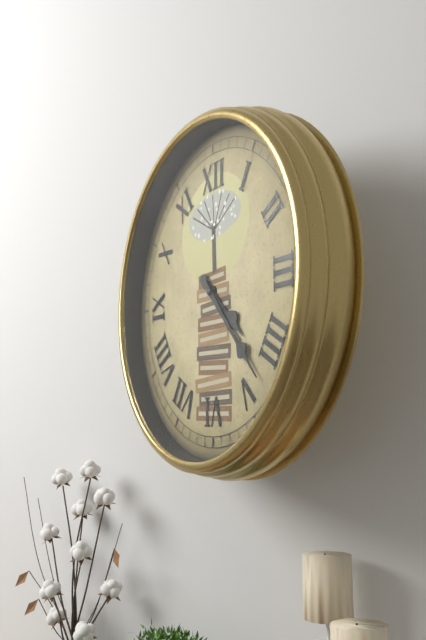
4:23
